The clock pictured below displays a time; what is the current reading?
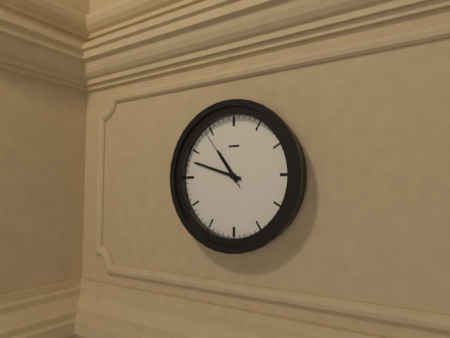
10:48:54
